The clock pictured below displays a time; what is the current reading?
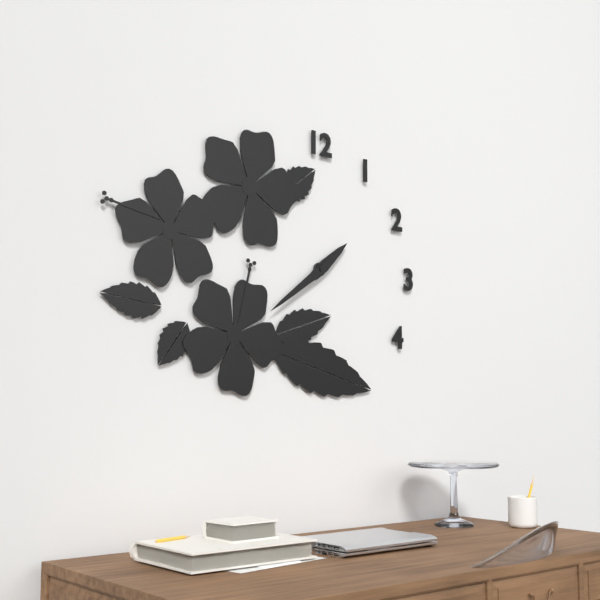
1:39
